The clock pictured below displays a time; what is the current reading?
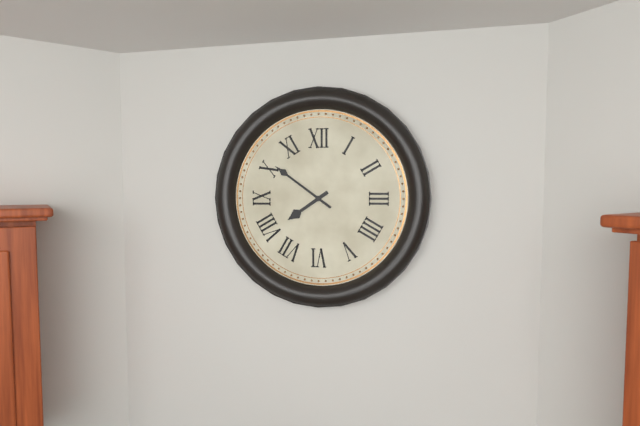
7:51
